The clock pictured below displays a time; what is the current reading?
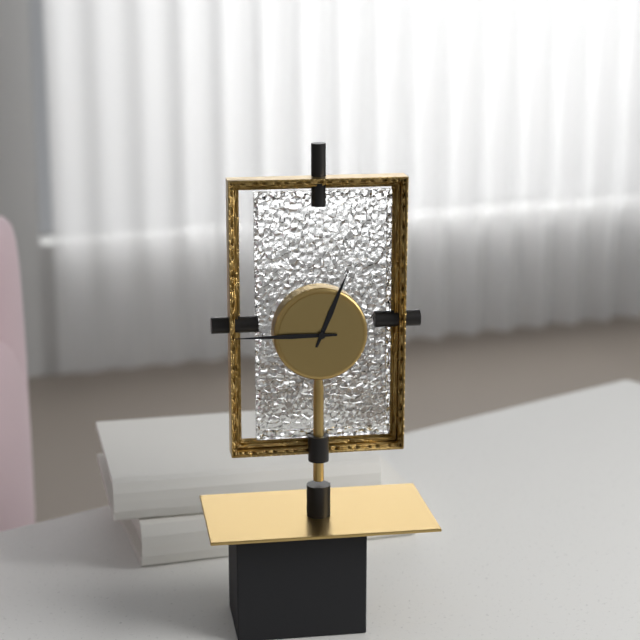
12:45
